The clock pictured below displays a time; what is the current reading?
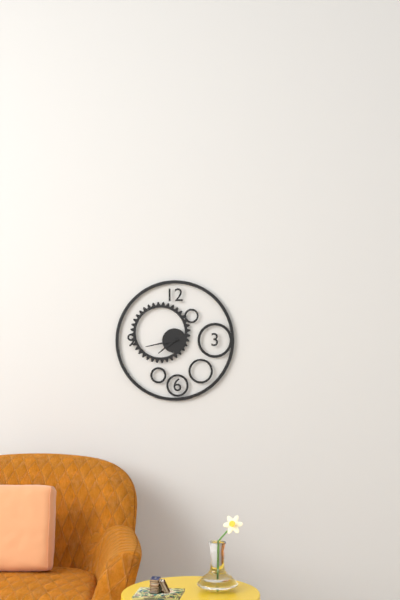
7:43
